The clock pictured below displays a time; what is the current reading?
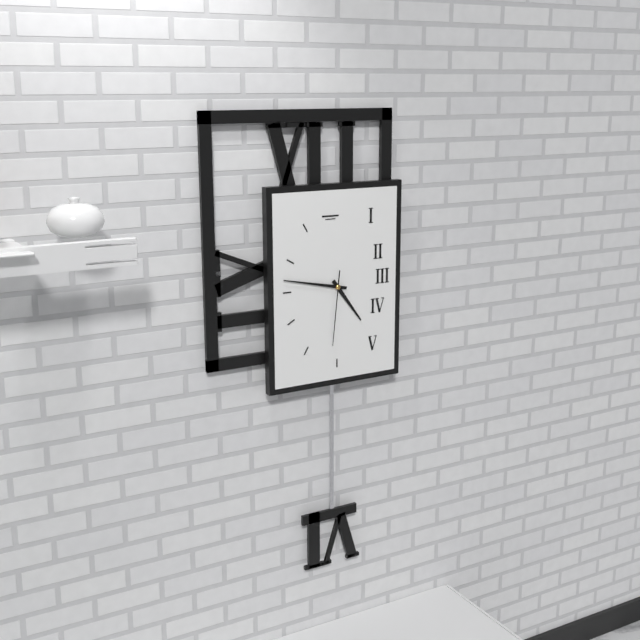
4:47:31
